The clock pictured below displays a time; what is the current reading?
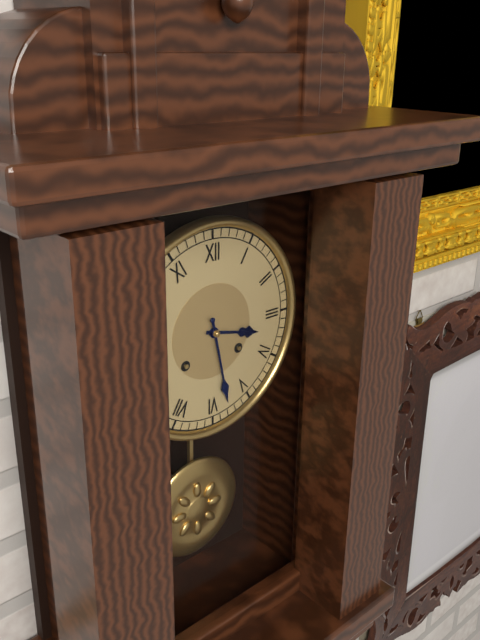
3:28
